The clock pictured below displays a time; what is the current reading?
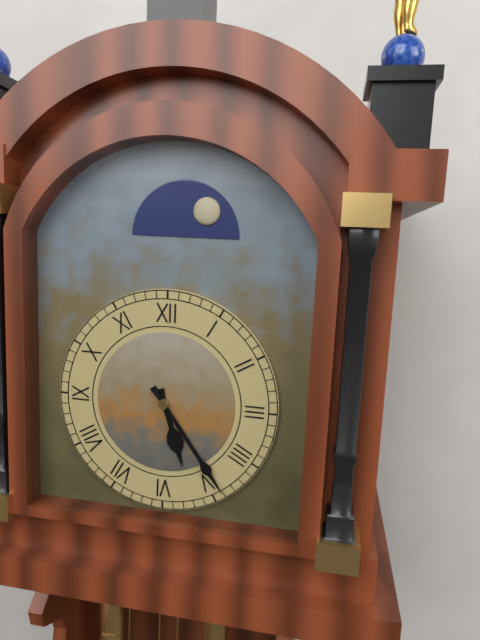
5:24
